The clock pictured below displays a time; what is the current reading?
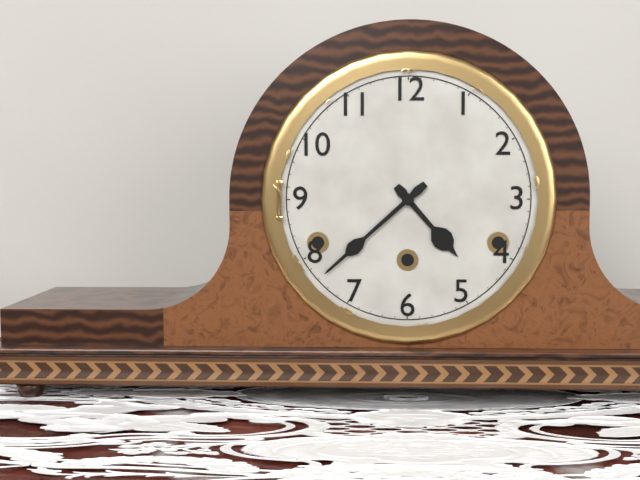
4:38
